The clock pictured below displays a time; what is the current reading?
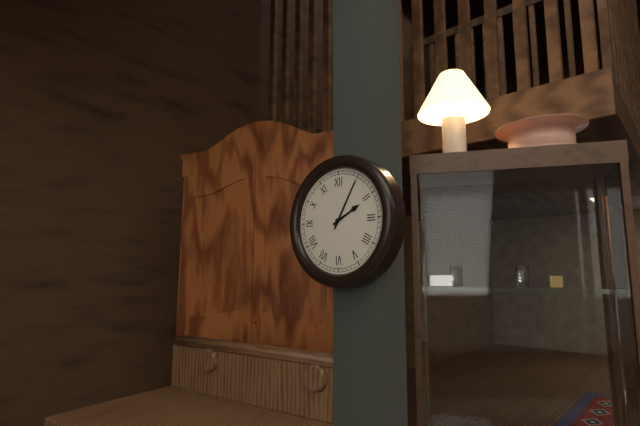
2:05
